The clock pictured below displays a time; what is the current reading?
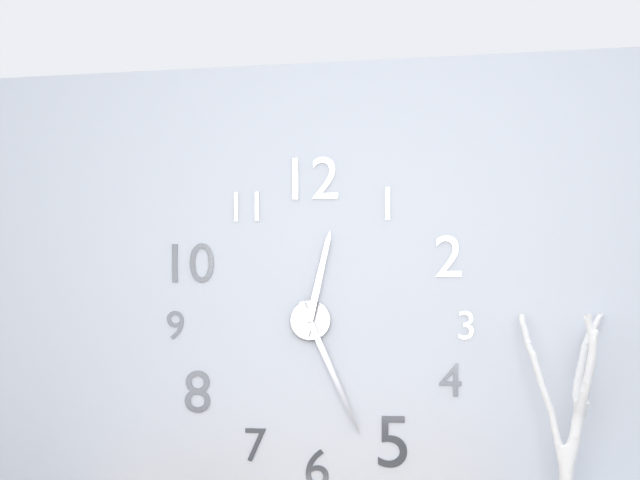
12:26
